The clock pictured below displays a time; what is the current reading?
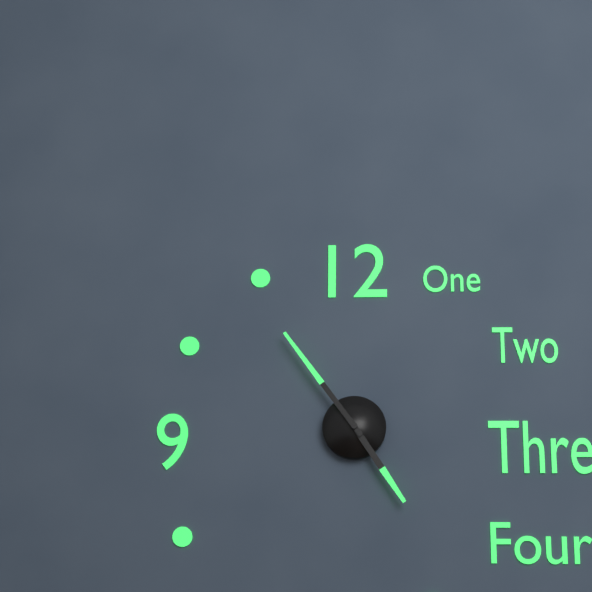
4:54
